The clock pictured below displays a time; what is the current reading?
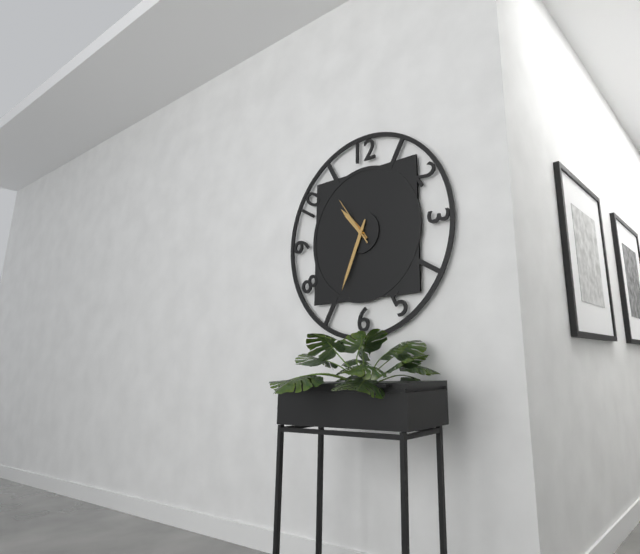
10:34:54
